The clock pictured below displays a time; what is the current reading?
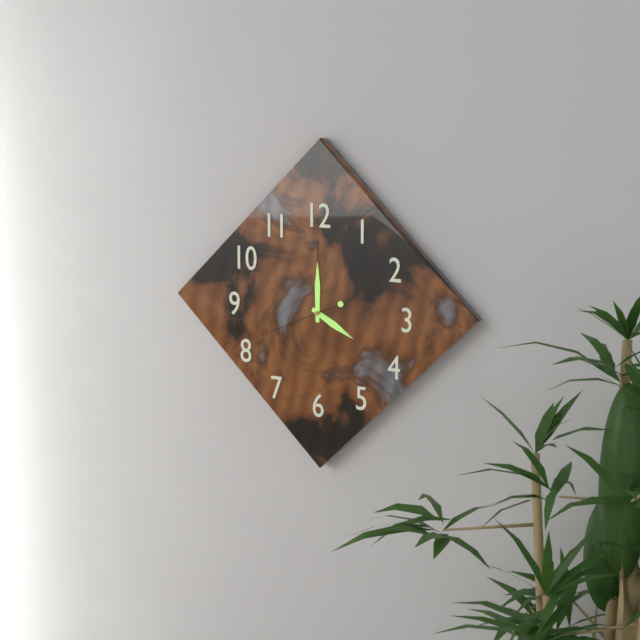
4:00:41
